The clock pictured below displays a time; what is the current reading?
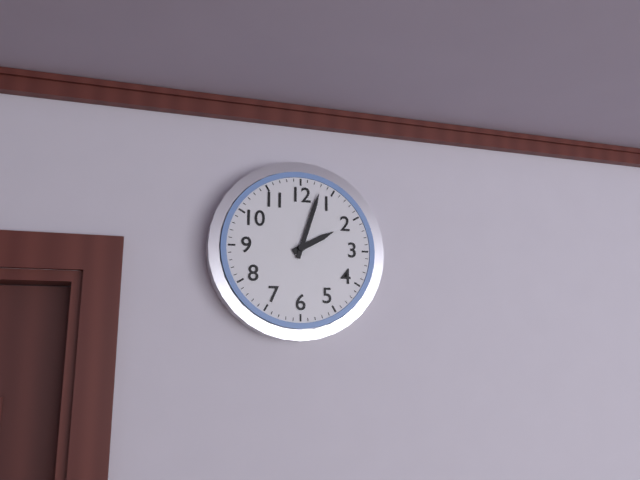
2:03
